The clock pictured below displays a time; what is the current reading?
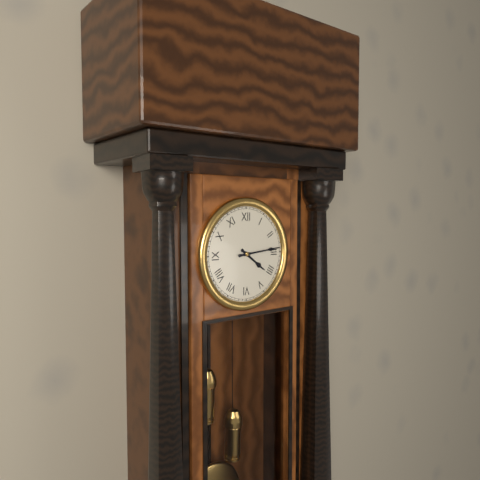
4:14
